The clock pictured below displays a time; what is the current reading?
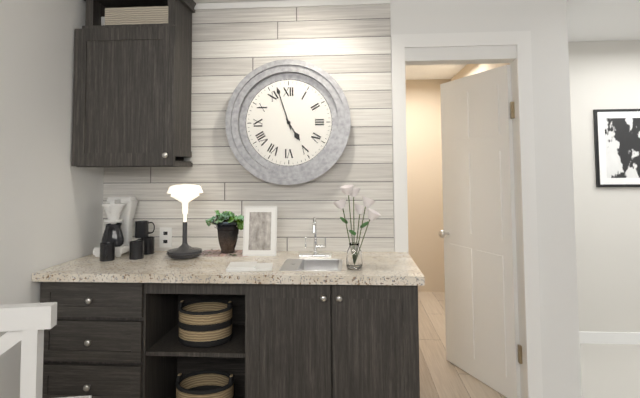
4:57
